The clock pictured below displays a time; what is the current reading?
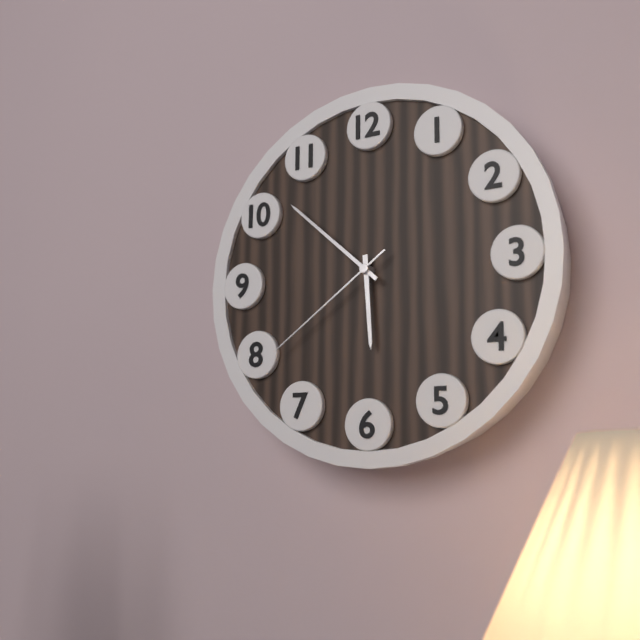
5:52:39
